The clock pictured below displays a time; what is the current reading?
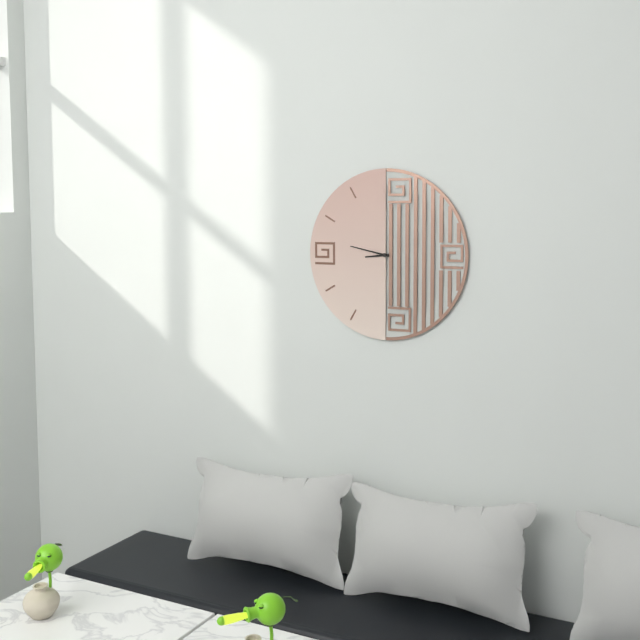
8:47
